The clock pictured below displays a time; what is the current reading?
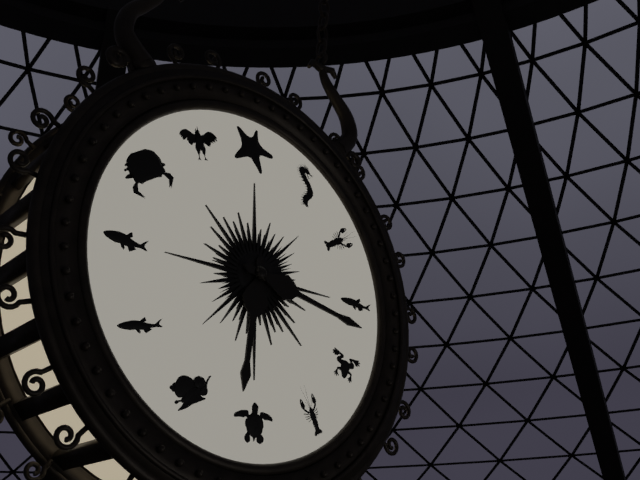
6:17
